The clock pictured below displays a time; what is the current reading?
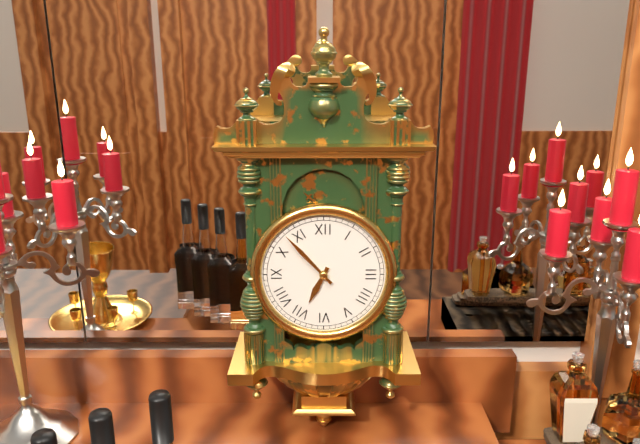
6:53
